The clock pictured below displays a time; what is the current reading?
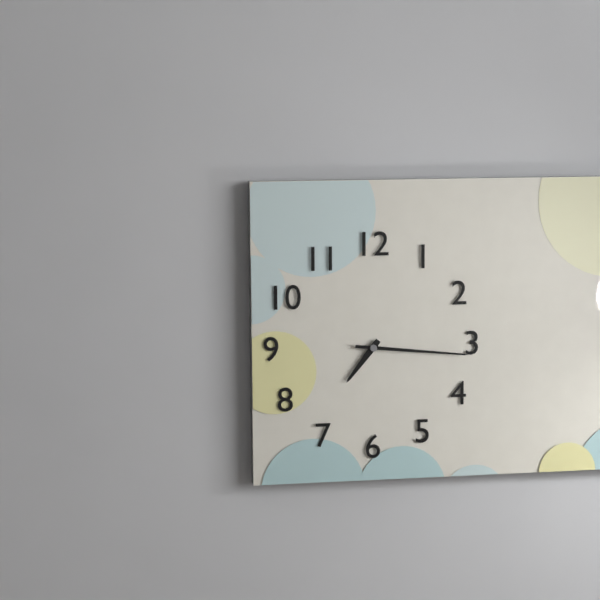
7:16
